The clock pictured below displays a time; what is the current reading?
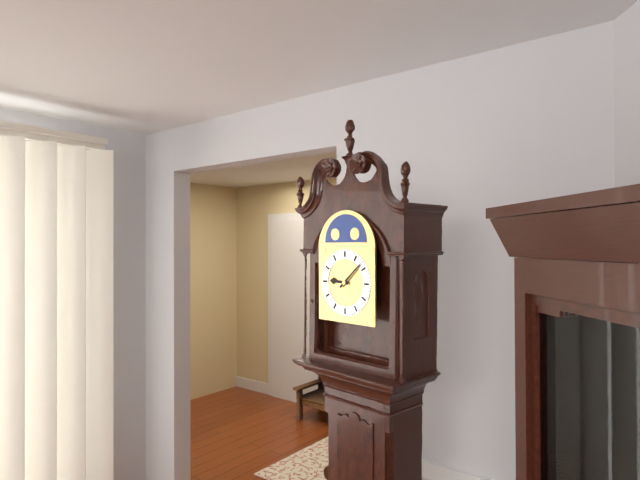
9:08
